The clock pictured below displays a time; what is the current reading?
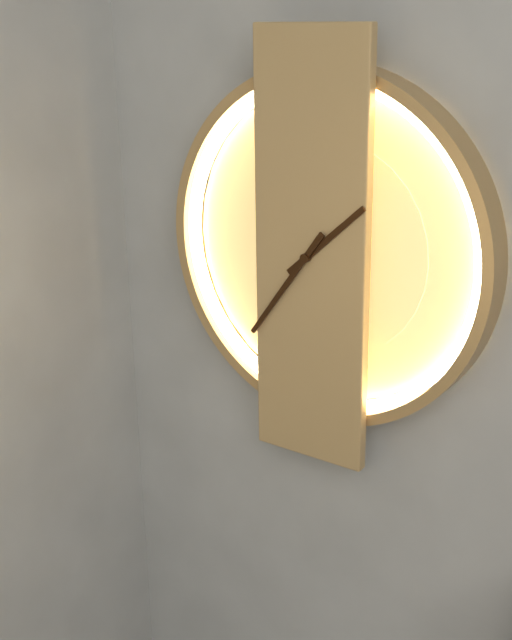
1:36
